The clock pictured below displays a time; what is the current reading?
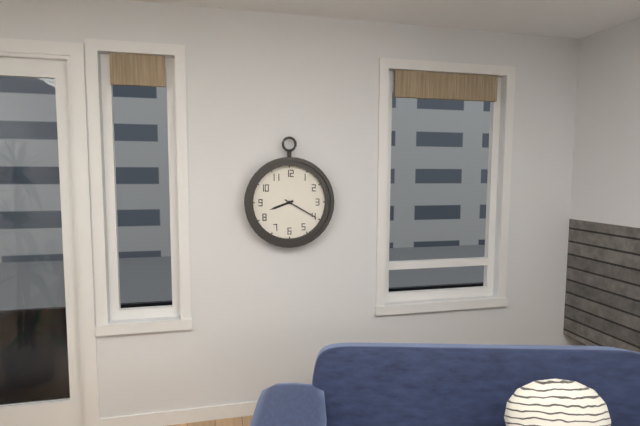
8:20
